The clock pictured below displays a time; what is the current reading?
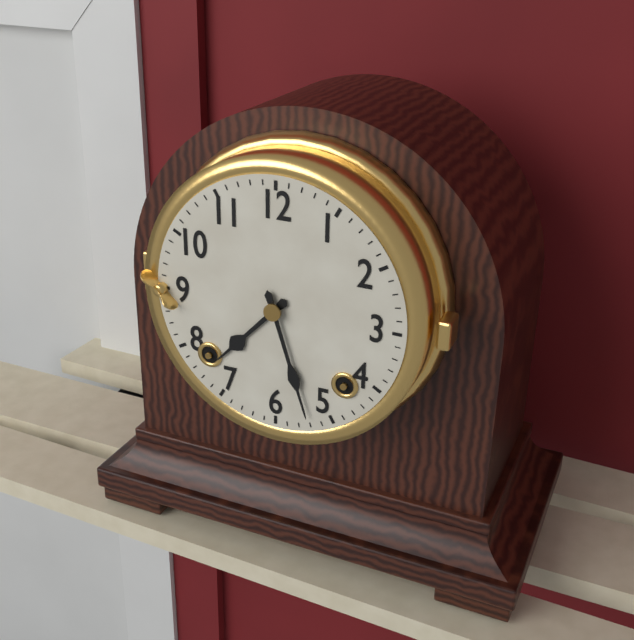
7:27
